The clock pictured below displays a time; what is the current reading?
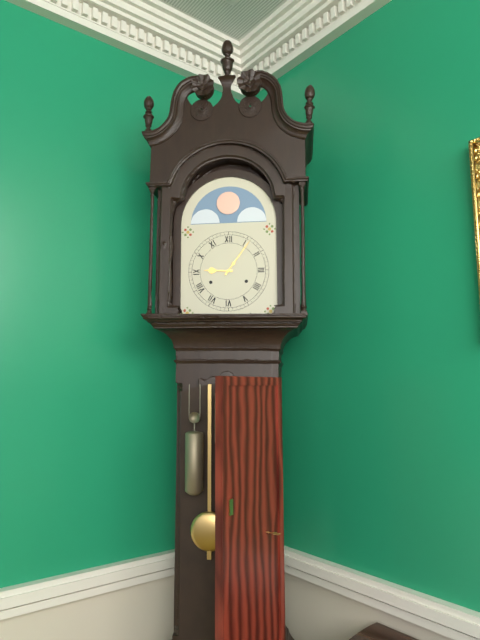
9:06
